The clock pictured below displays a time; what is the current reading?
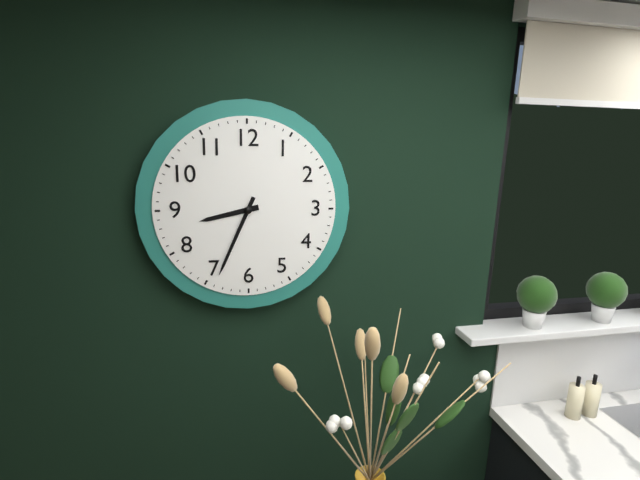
8:34
